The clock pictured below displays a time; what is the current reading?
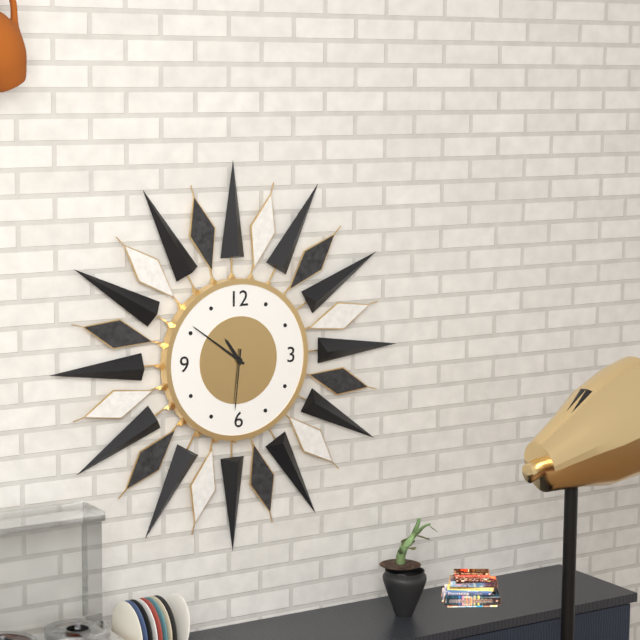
10:51:31
